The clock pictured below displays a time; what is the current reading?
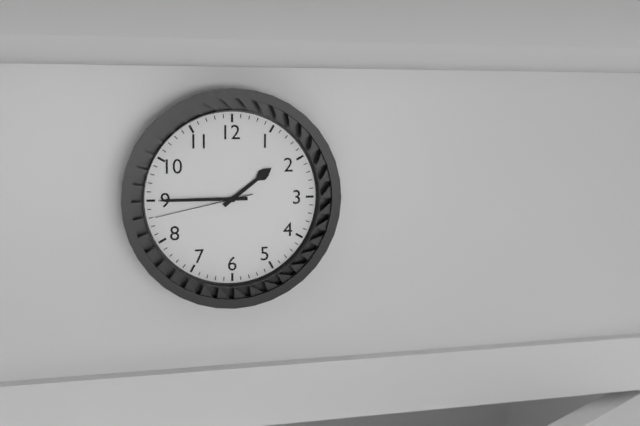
1:45:43
